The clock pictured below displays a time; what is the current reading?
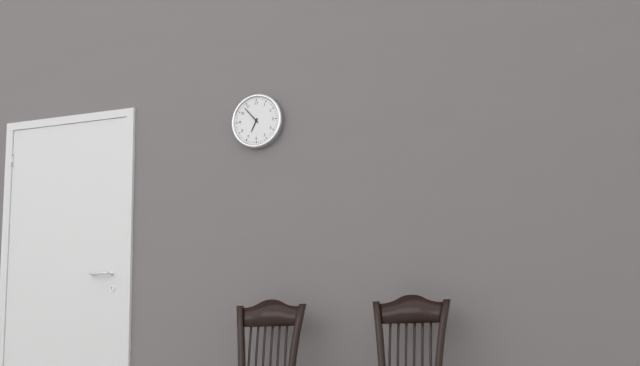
6:53
